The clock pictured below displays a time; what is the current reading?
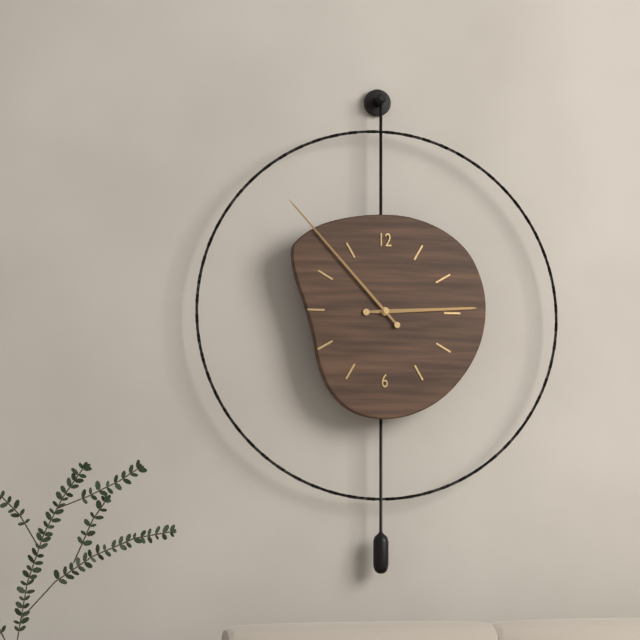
2:53
